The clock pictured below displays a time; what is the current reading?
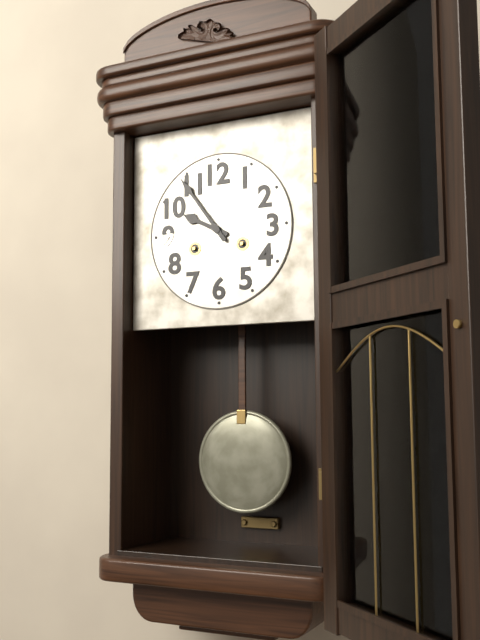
9:54
